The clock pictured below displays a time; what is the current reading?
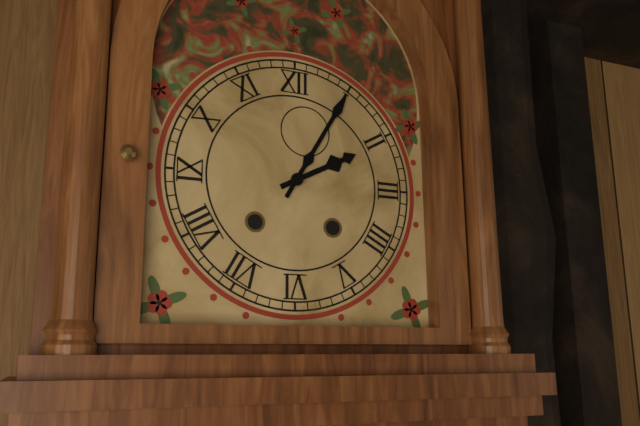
2:05
